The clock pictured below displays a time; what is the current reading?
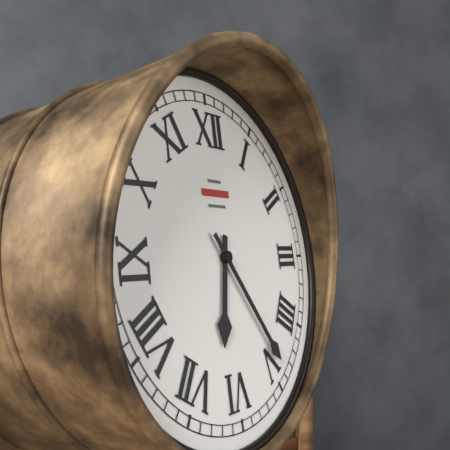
6:24
